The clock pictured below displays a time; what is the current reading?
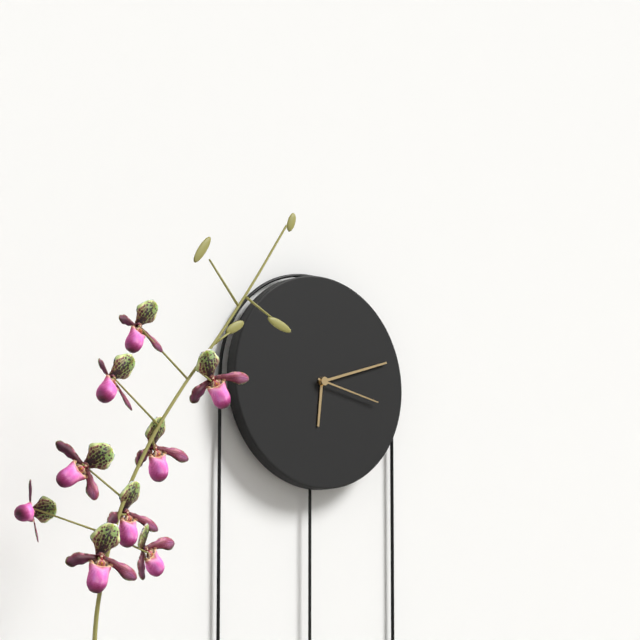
6:12:17
